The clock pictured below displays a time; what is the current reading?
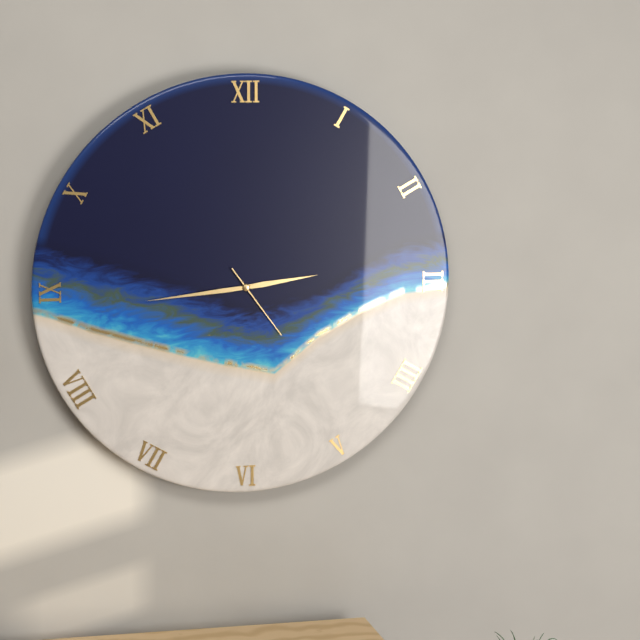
2:44:24
